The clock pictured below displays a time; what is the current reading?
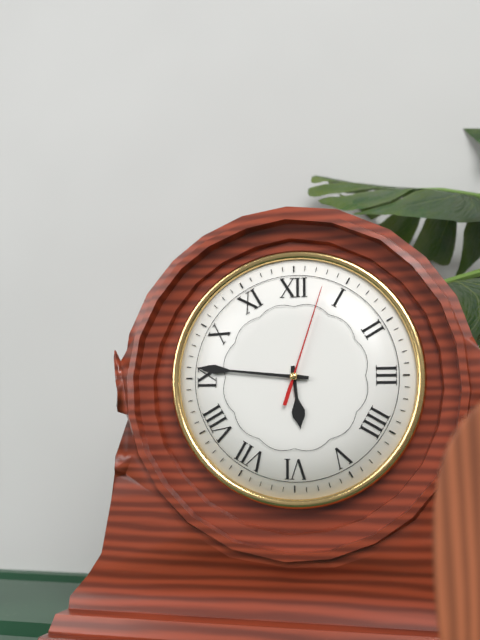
5:46:03
